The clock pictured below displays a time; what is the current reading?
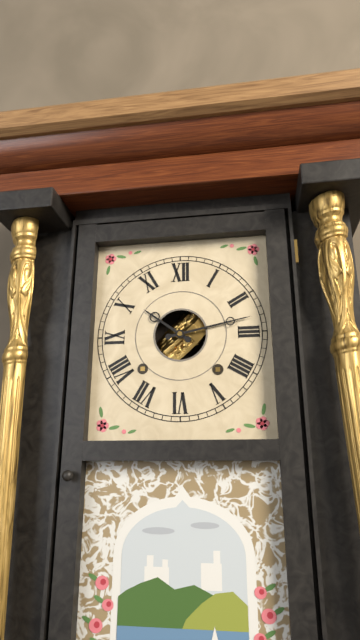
10:13
